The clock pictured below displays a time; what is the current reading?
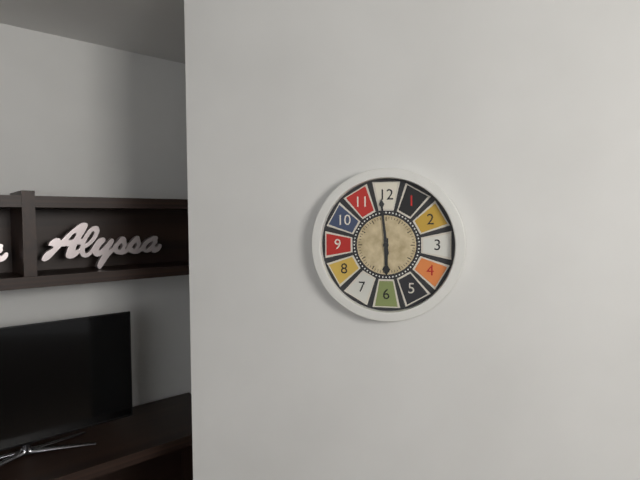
5:59
